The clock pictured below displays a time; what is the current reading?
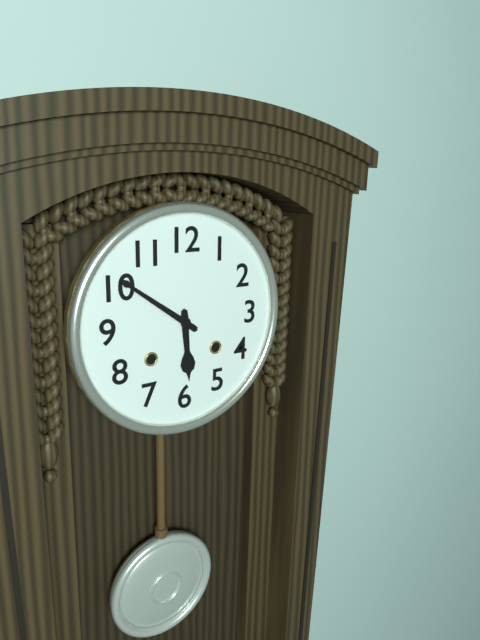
5:51
